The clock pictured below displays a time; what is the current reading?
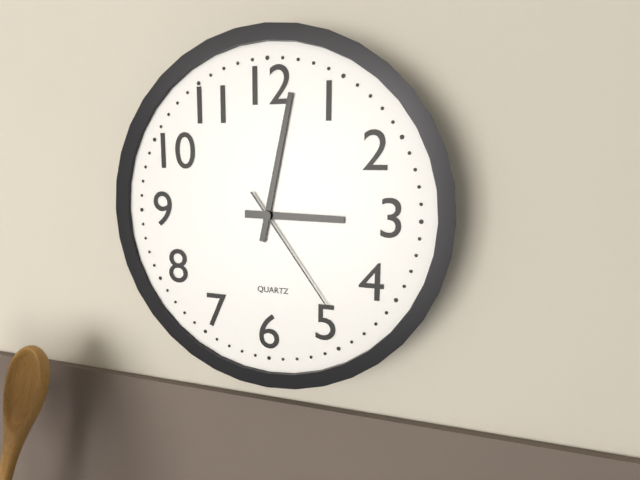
3:02:24
